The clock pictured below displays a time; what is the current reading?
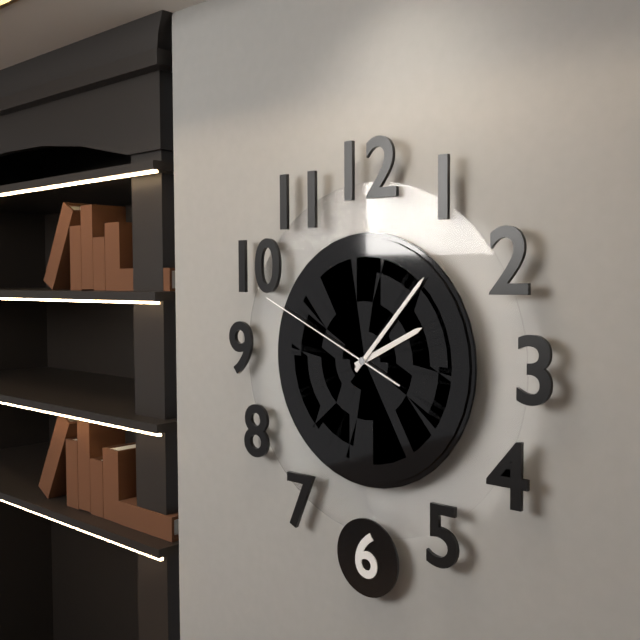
2:07:49
